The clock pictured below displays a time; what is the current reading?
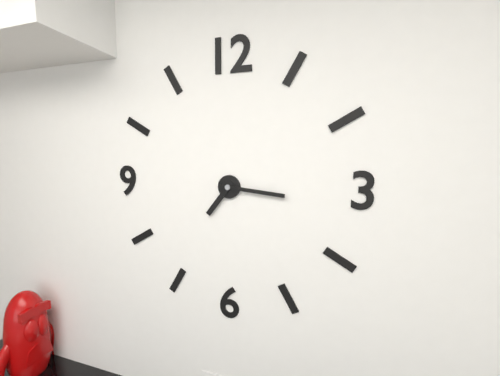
7:16
